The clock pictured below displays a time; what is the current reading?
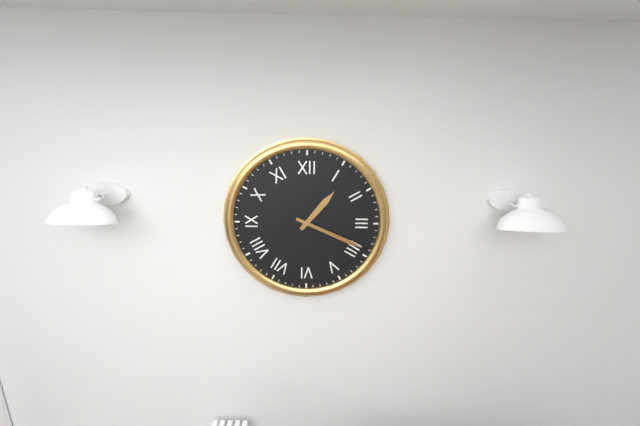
1:19
